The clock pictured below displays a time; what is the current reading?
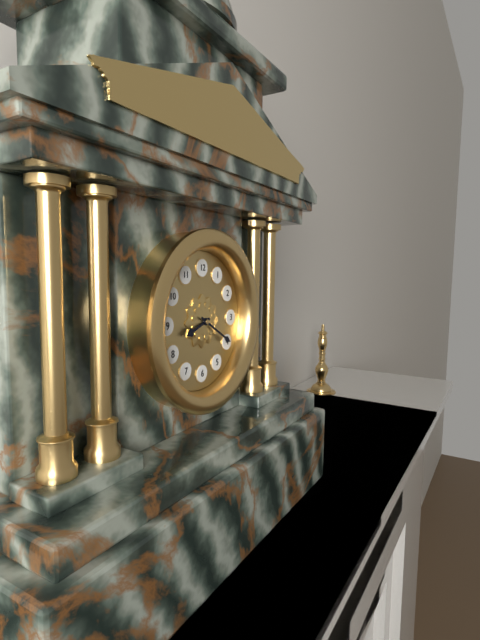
8:20
